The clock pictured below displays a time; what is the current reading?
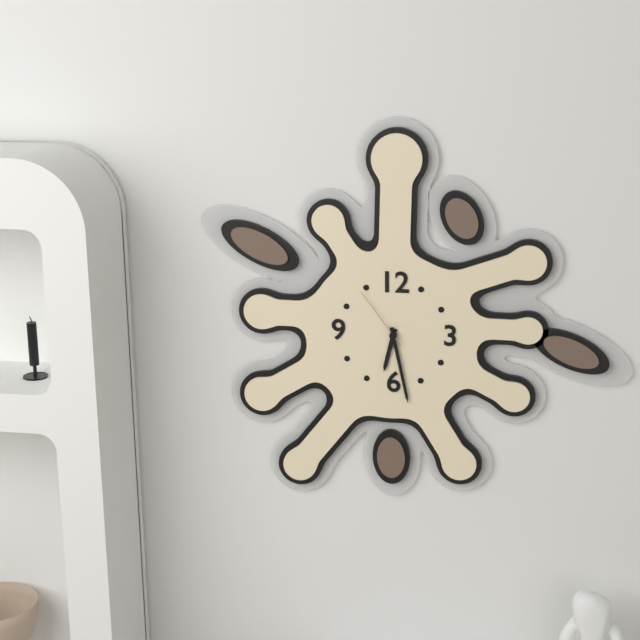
6:28:54
